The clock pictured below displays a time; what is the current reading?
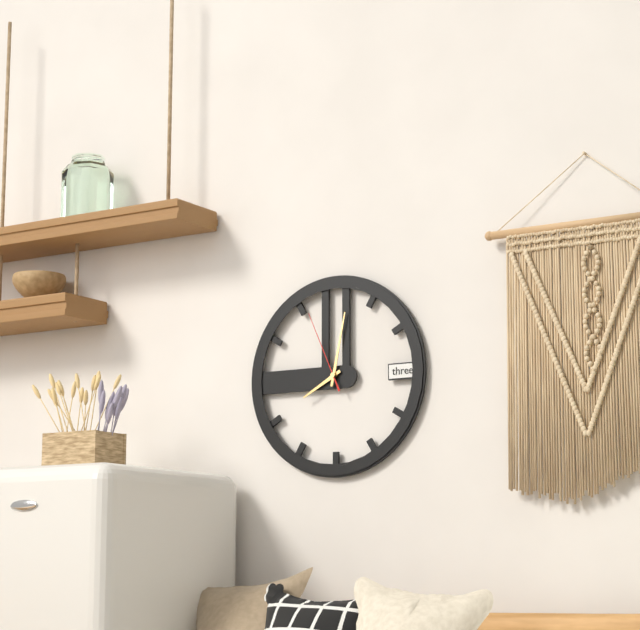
8:02:56
